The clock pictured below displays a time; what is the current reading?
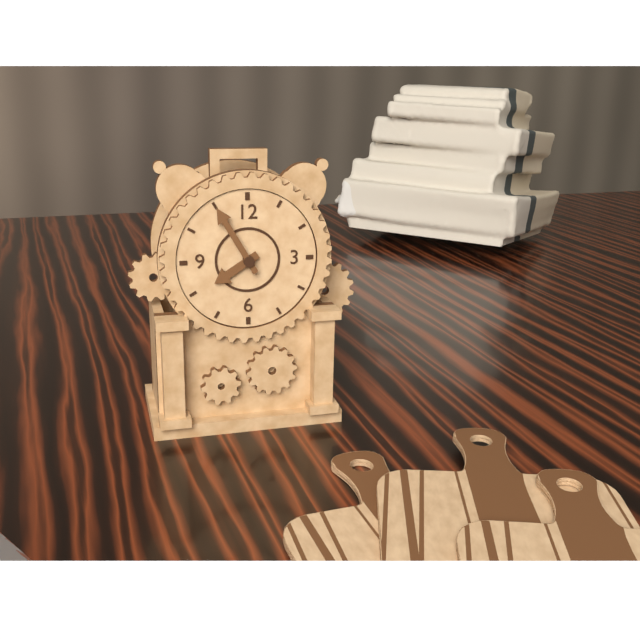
7:55
